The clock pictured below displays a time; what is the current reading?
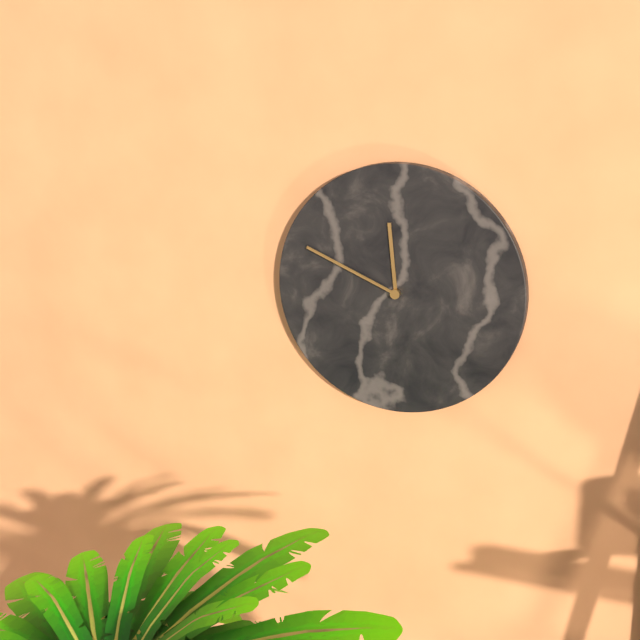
11:49
